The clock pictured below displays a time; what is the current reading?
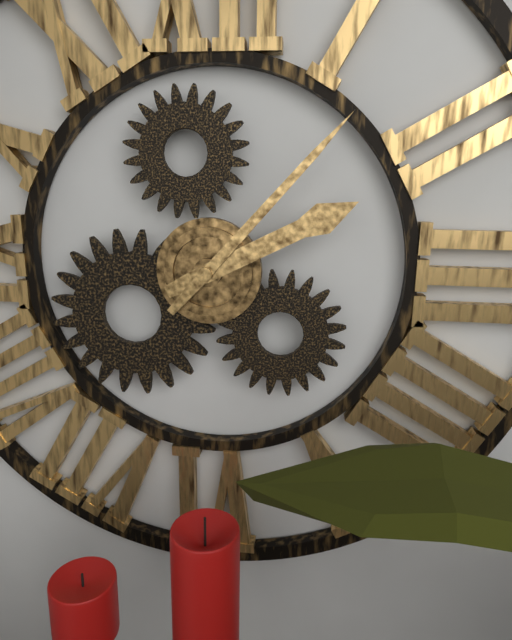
2:07
